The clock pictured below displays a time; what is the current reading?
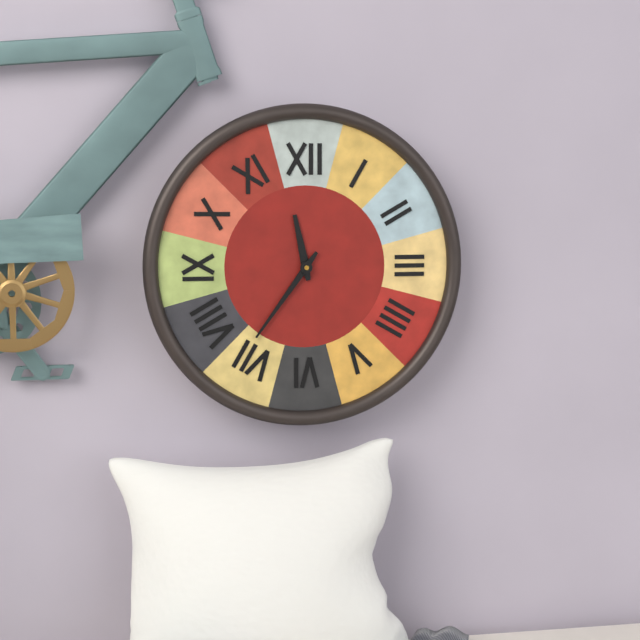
11:36
